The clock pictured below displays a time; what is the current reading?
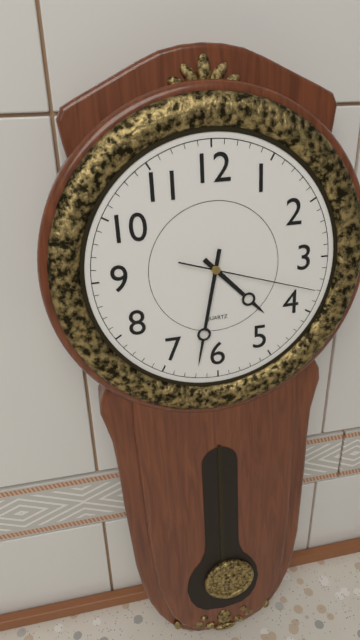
4:32:18
